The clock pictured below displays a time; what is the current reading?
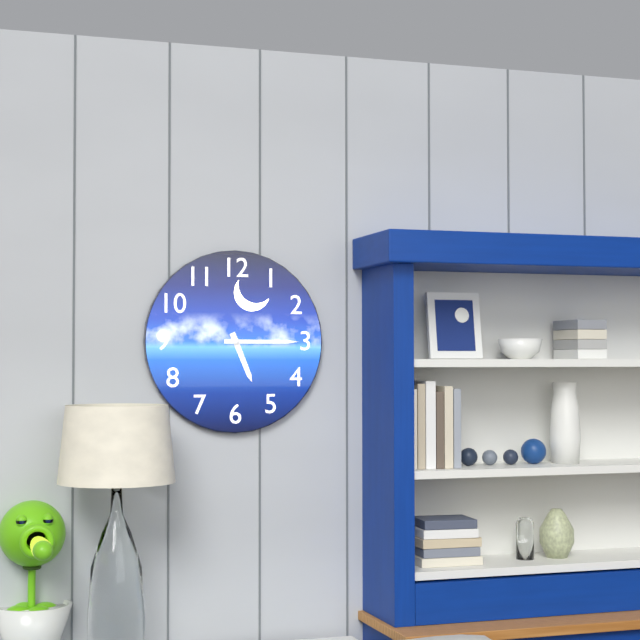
5:15
